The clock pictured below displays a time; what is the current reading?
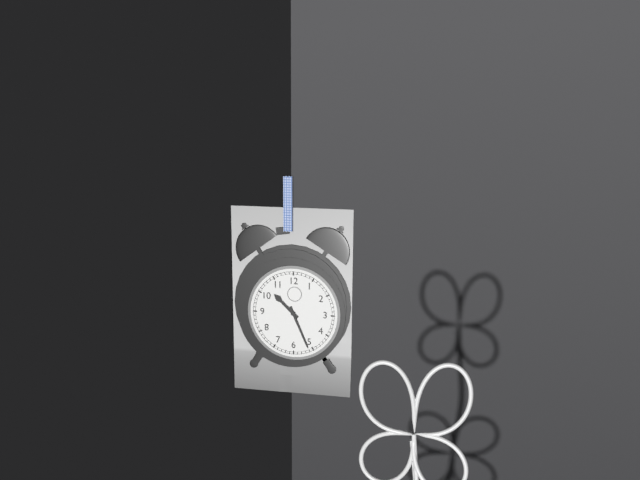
10:26
